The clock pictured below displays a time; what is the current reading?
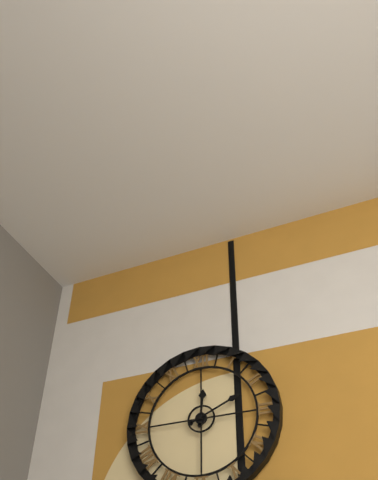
12:11
